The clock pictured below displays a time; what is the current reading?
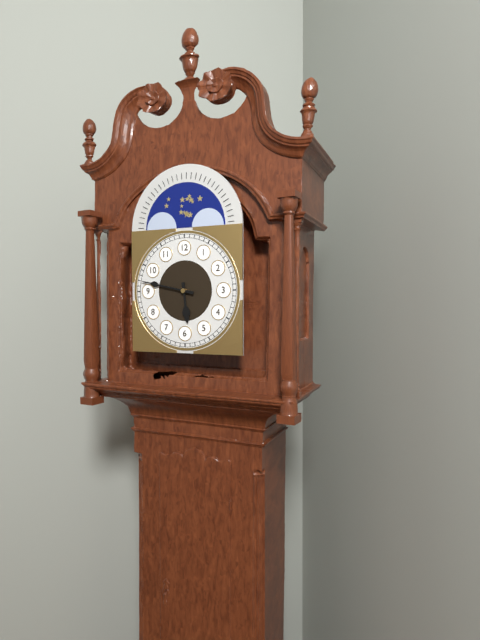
5:47
